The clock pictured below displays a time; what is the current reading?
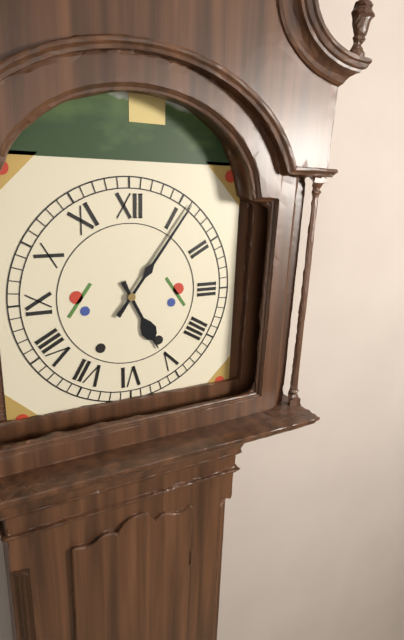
5:06
